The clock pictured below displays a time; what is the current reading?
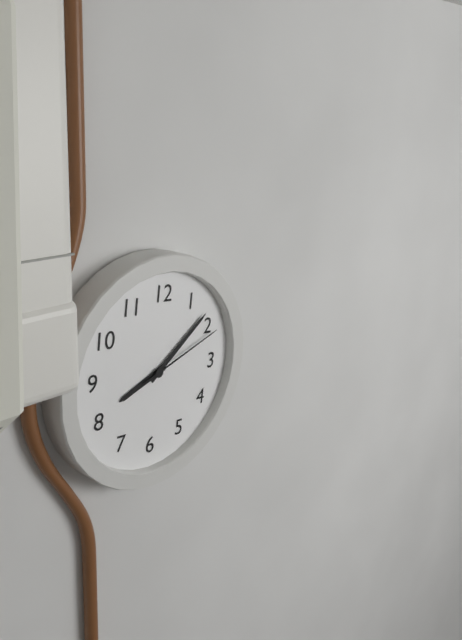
8:08:11
